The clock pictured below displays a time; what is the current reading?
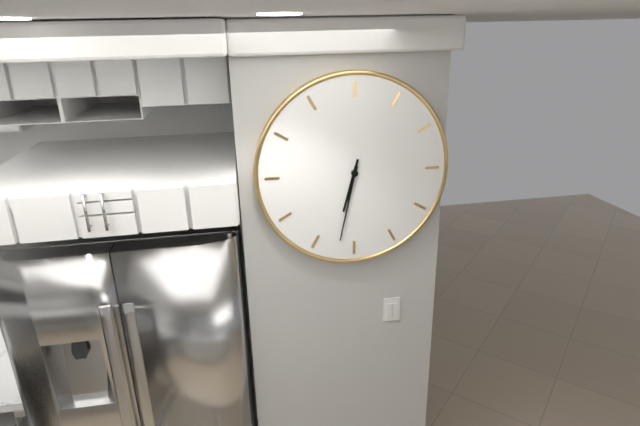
6:32
